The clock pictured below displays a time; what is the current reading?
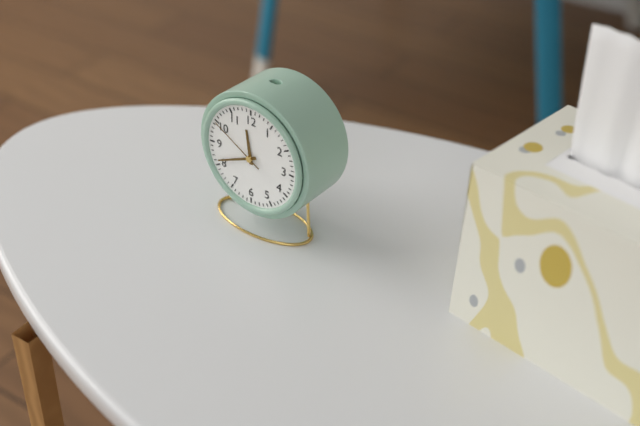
11:41:50
